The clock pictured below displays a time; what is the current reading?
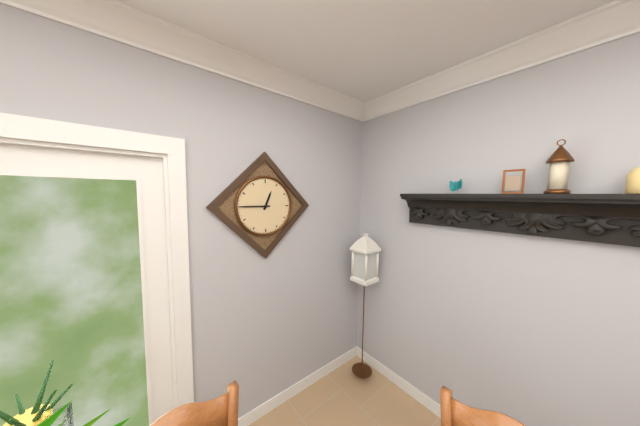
12:45
